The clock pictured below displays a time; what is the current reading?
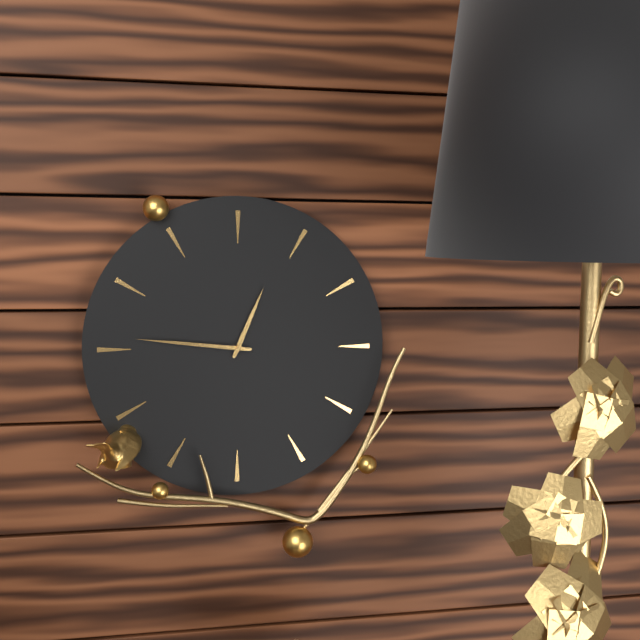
12:46
